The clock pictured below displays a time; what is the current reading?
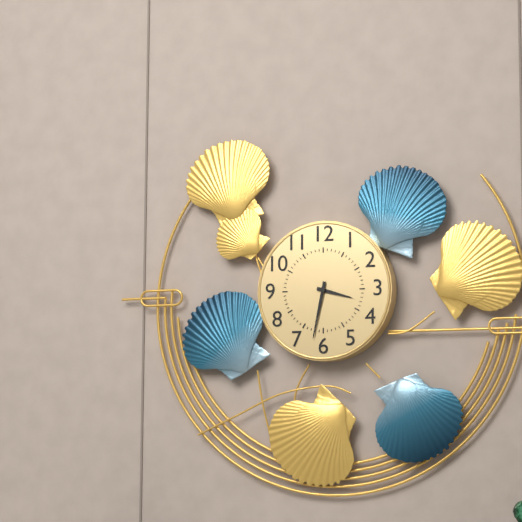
3:32
